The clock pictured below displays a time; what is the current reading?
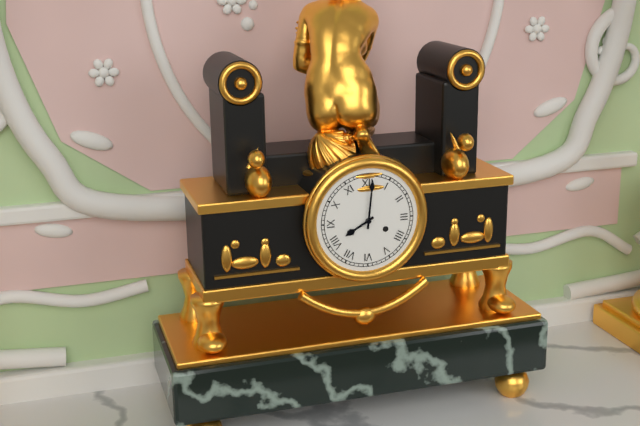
8:01
